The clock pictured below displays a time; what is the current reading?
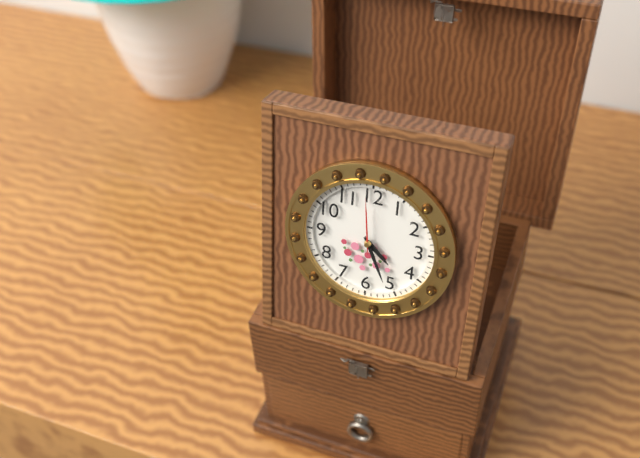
4:26:59
